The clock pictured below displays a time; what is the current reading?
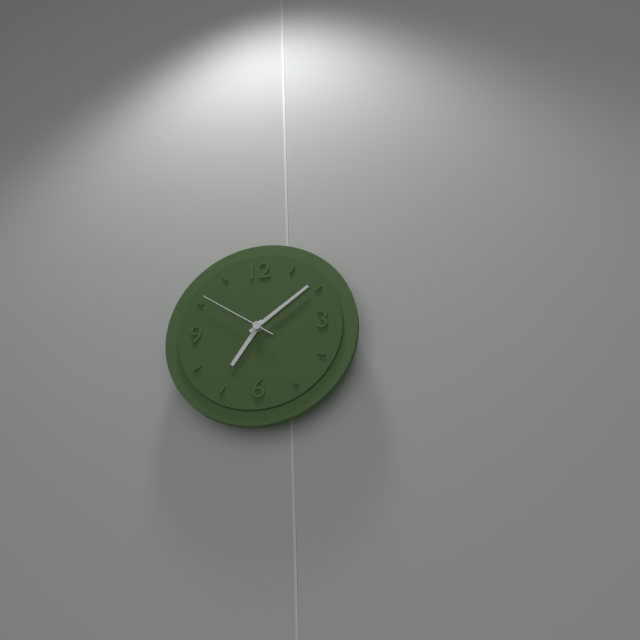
7:09:51
